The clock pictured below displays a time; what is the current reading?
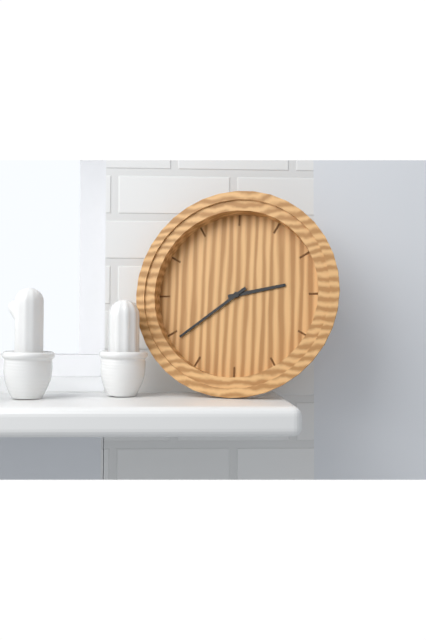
2:39
